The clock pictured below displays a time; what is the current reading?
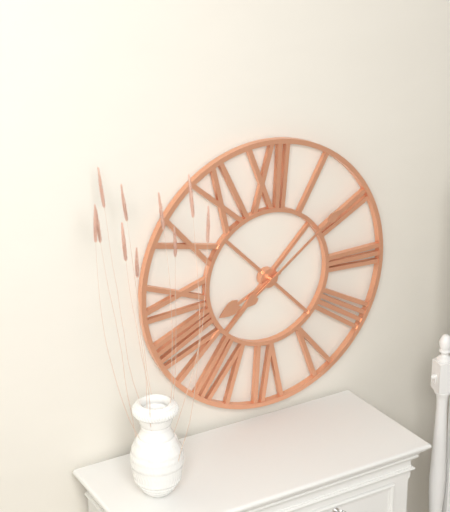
8:09
